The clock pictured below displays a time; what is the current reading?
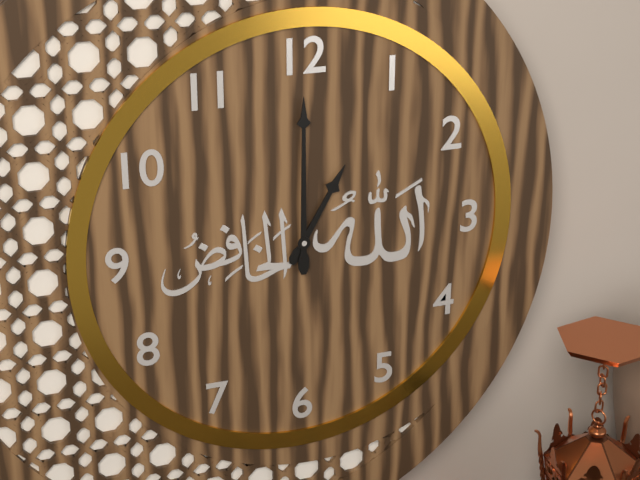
1:00
